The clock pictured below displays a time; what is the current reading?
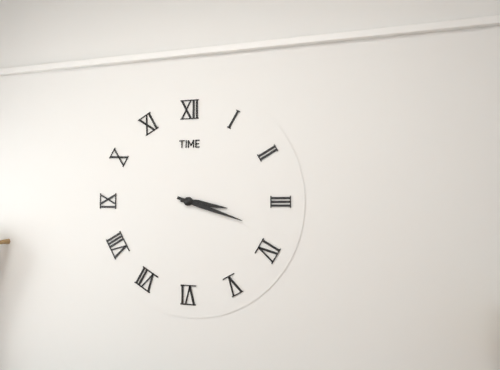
3:18
